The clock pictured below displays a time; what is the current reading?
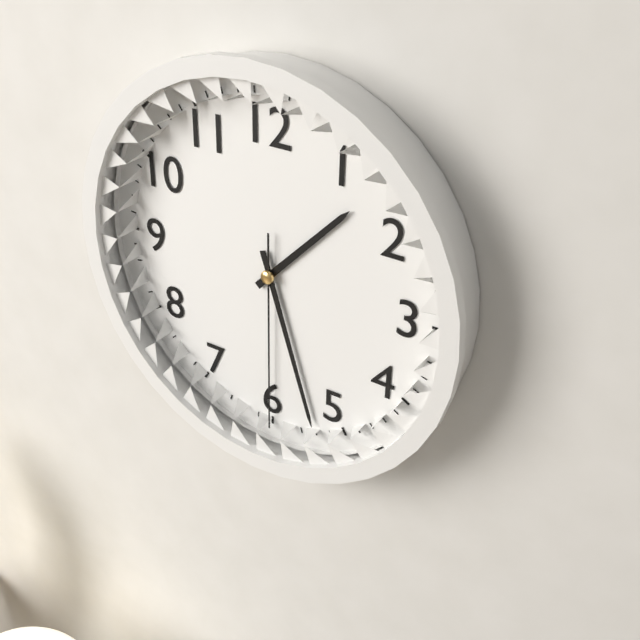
1:27:30
